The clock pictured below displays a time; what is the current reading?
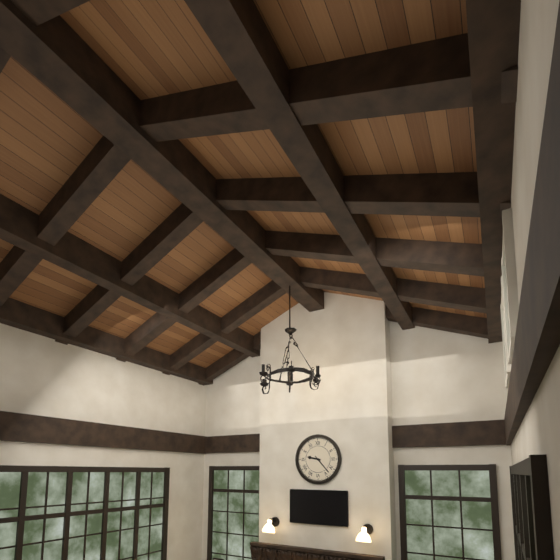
9:23
